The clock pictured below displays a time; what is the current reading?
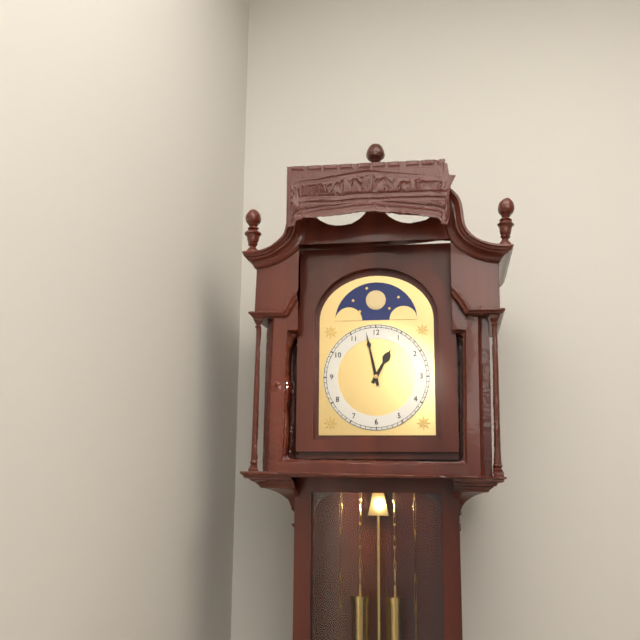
12:58
